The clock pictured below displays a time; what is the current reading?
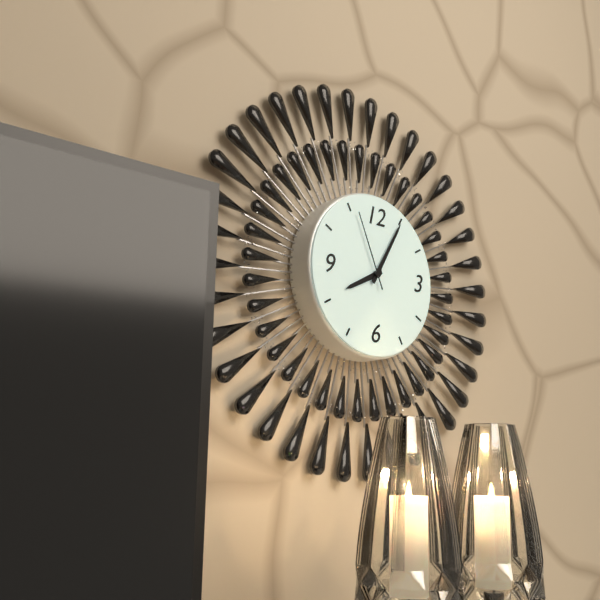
8:05:56
